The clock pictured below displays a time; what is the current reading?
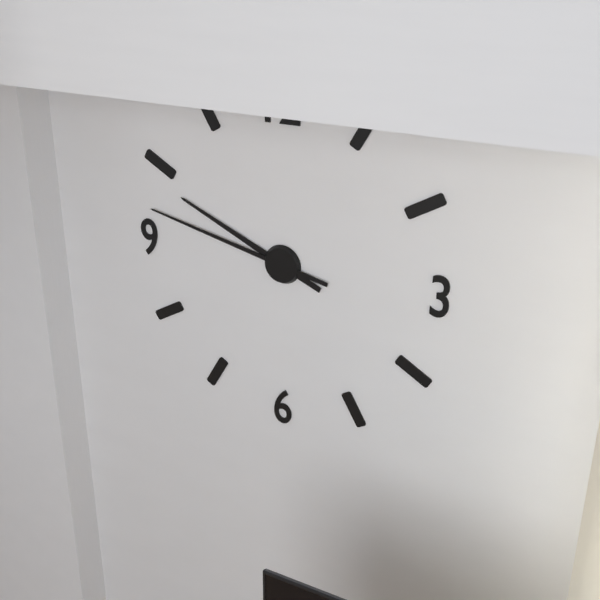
9:47
